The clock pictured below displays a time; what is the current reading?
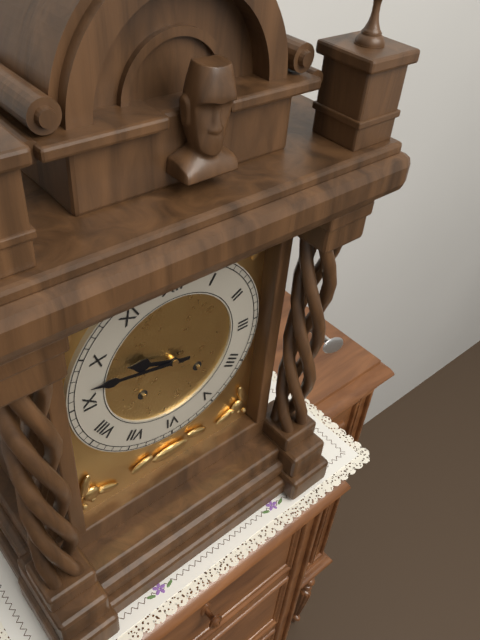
9:47
